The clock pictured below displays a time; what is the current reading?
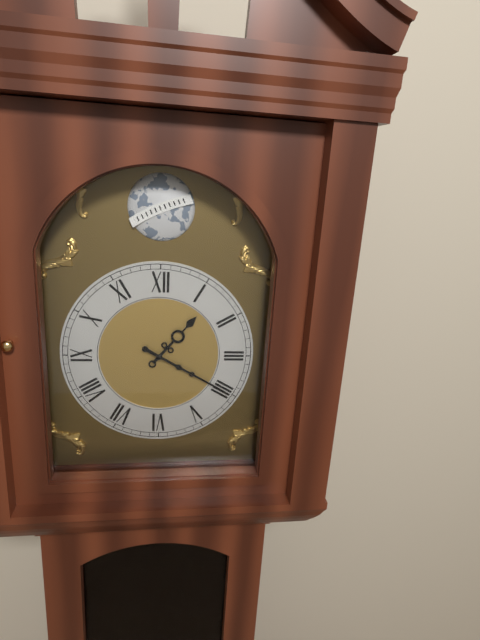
1:20
